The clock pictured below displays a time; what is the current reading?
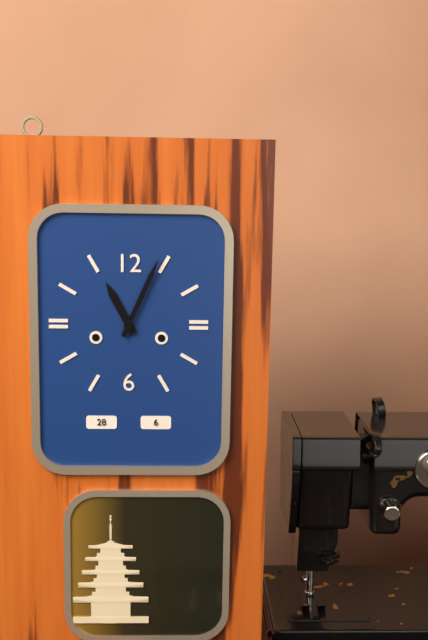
11:04
